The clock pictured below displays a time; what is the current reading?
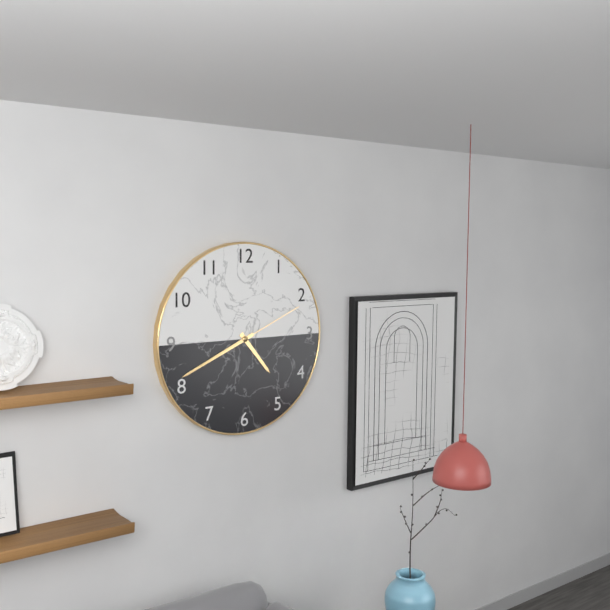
4:41:11
